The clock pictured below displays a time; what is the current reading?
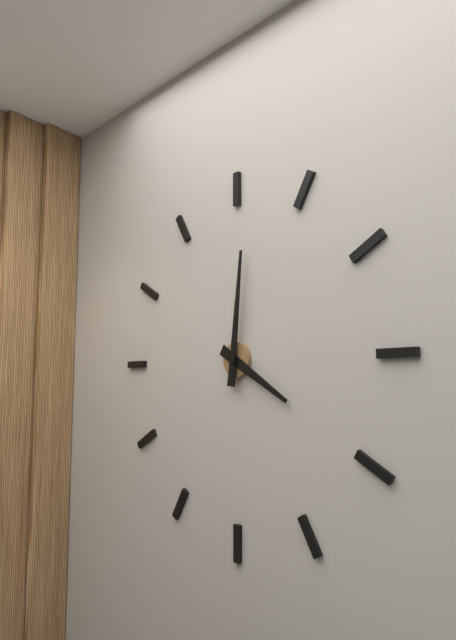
4:01
